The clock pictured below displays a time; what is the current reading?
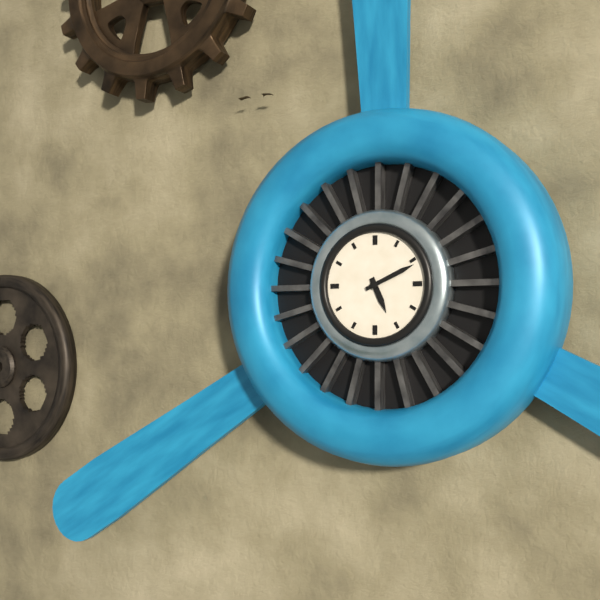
5:11
